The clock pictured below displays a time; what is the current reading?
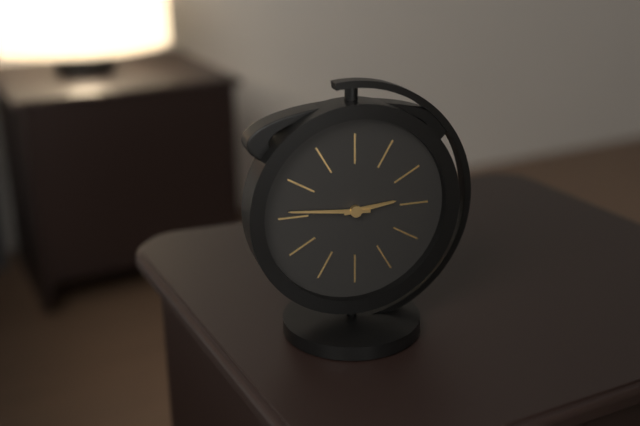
2:46
